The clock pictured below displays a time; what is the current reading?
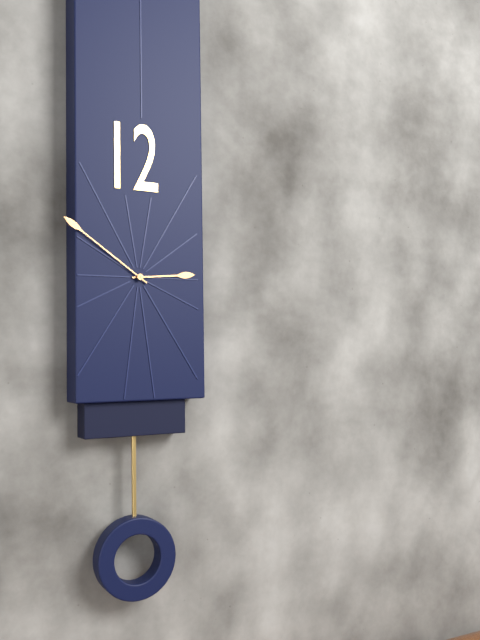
2:51
